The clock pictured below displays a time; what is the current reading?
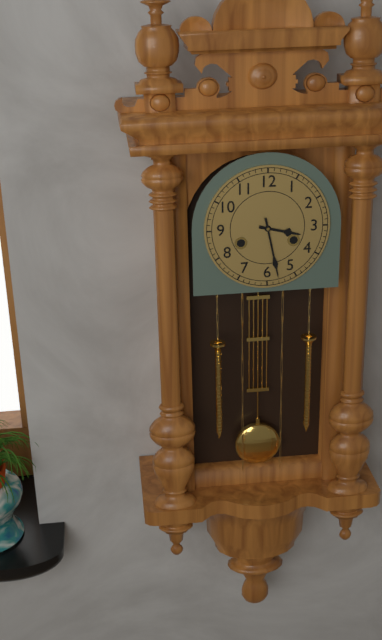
3:28
